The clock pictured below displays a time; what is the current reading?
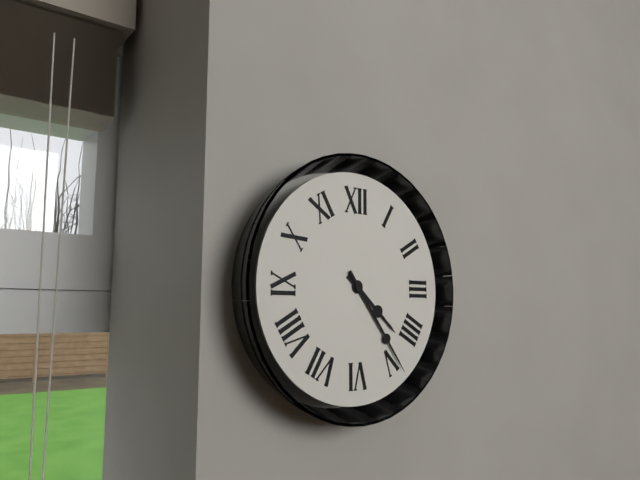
4:24
